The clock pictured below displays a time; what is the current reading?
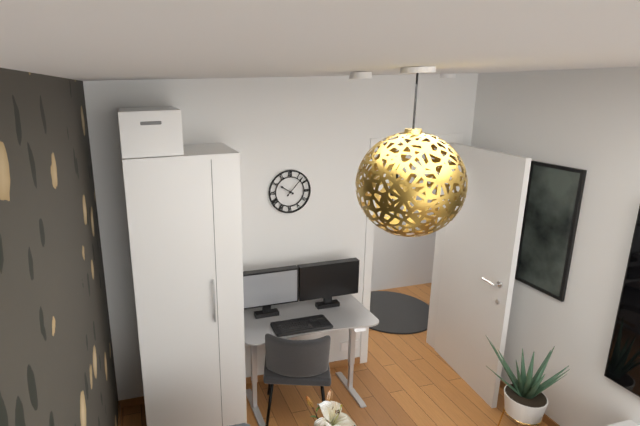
10:07
